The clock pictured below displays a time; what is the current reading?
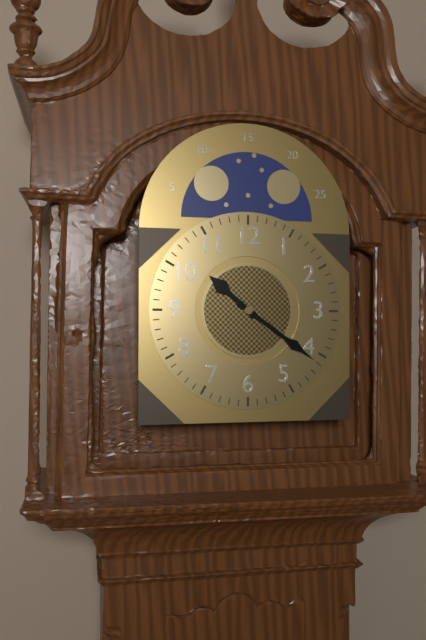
10:21
